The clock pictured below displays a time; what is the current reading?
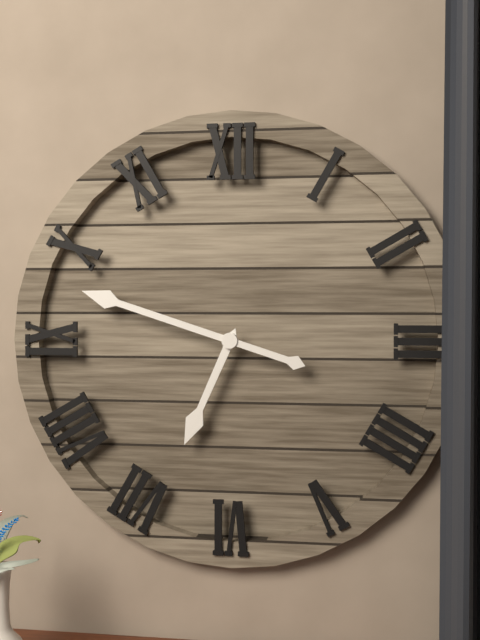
6:48
